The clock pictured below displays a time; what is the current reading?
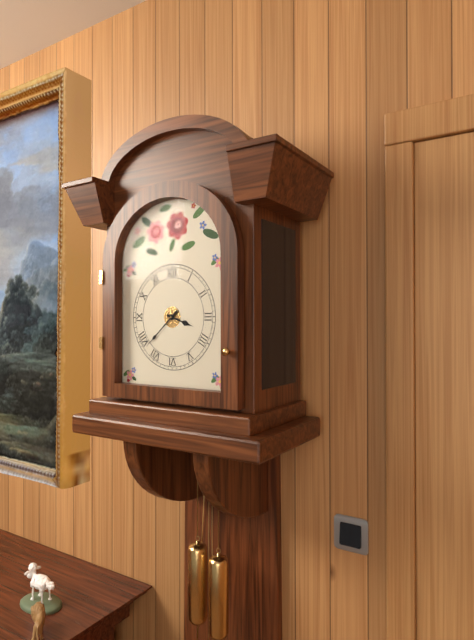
3:38
